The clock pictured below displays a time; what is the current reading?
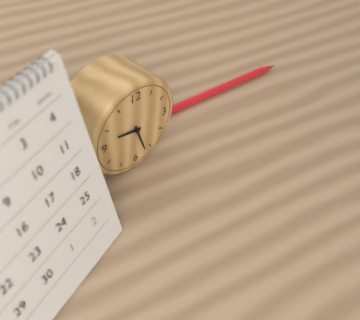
9:27
